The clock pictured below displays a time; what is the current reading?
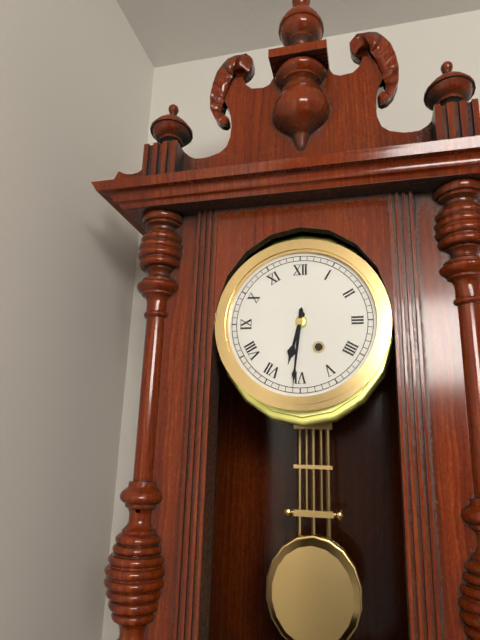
6:31
